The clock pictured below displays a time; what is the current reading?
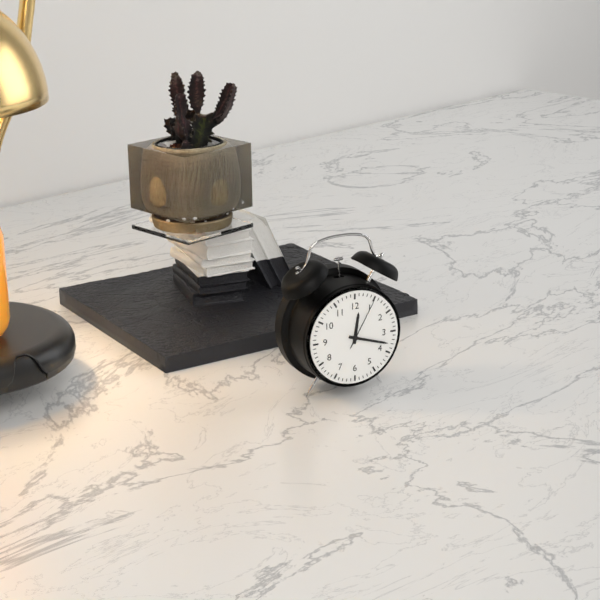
12:18:05
